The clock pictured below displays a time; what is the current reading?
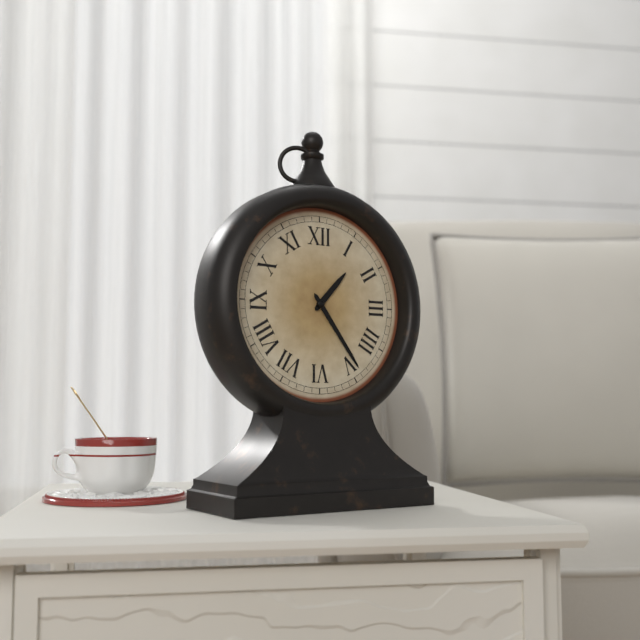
1:24
